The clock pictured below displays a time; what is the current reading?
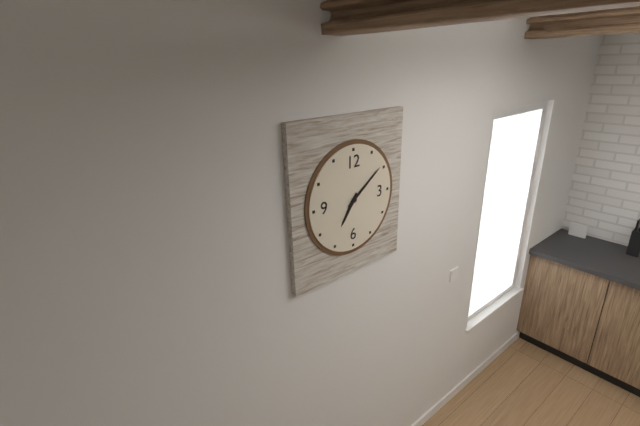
7:09
